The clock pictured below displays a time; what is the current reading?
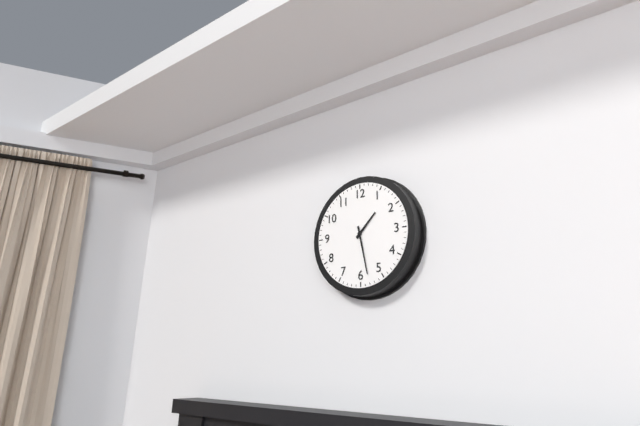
1:28
